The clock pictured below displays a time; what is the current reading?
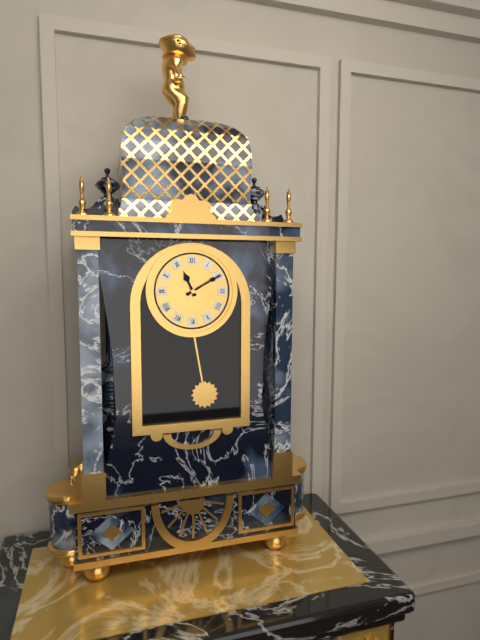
11:10
